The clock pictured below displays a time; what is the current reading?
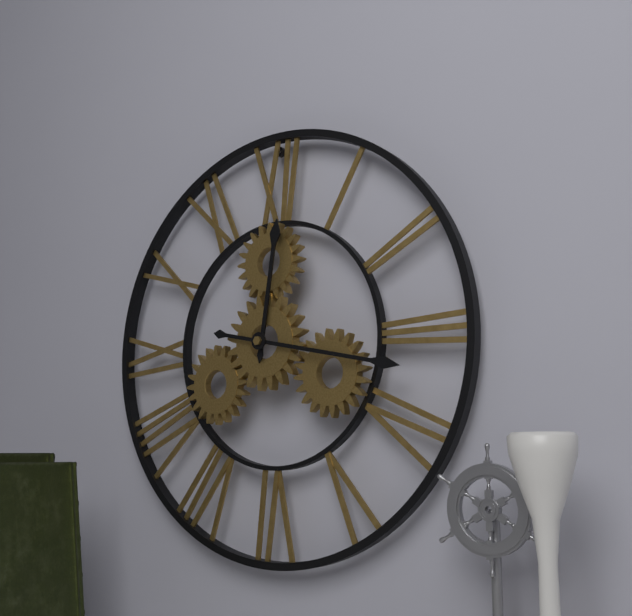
12:17
